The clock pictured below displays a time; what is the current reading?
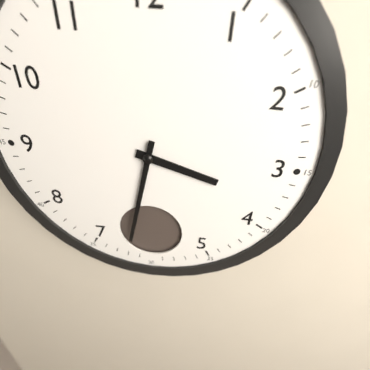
3:32
